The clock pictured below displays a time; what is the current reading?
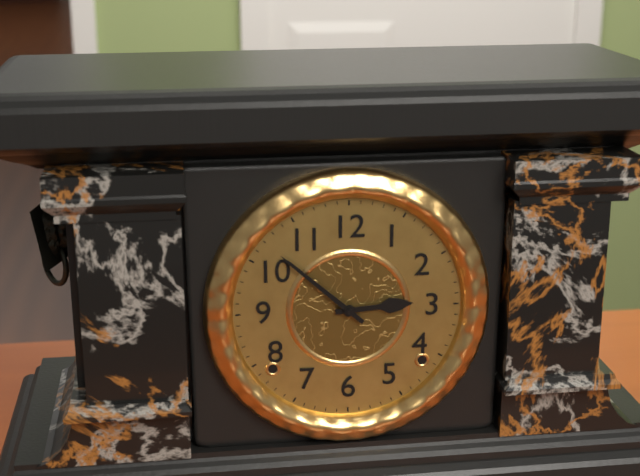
2:52
